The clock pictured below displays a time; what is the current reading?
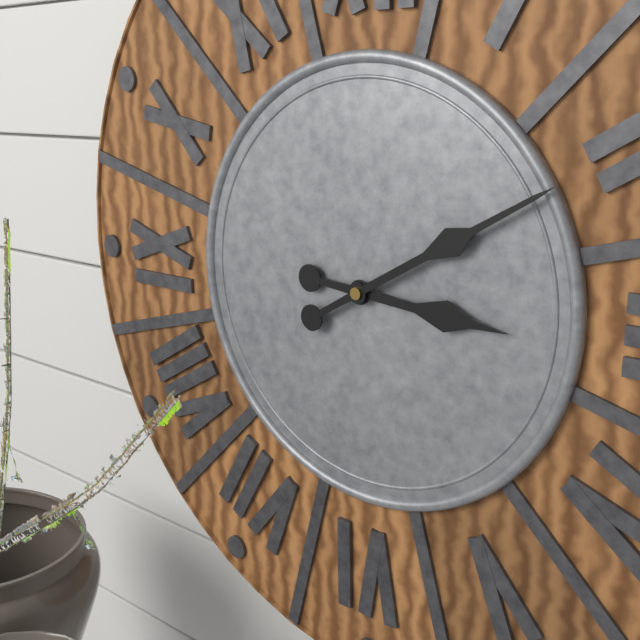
3:10
